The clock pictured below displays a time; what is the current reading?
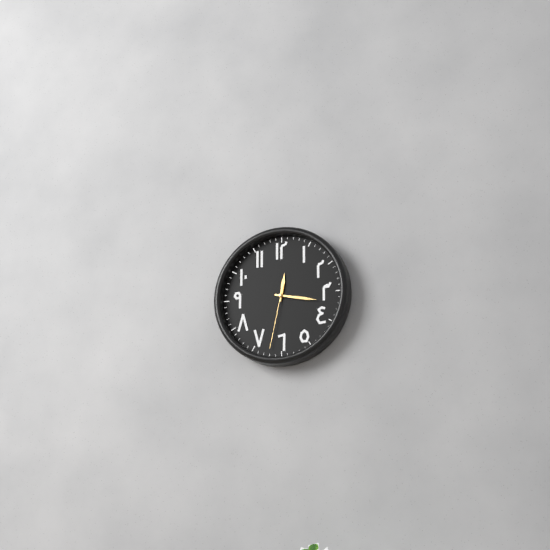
12:17:32
